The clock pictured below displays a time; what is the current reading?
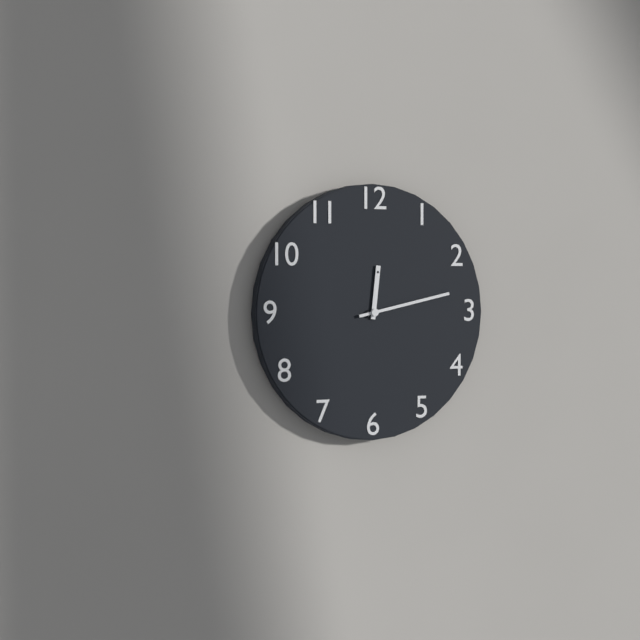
12:13
